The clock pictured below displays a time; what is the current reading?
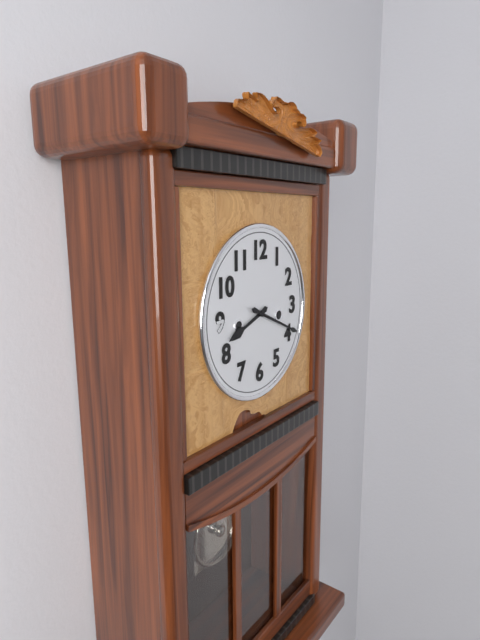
8:19
